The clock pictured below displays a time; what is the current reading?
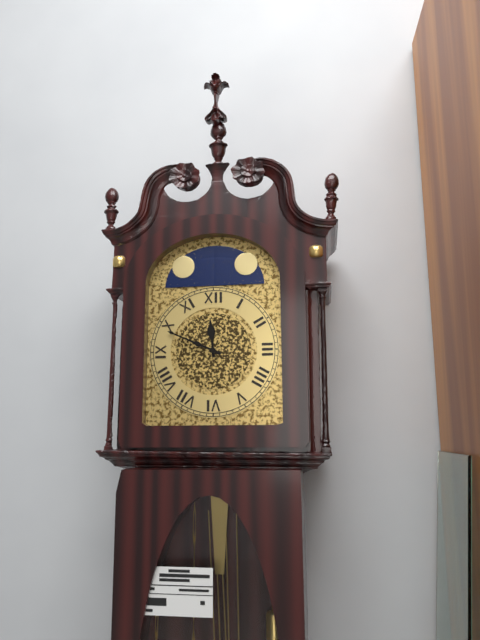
11:49
